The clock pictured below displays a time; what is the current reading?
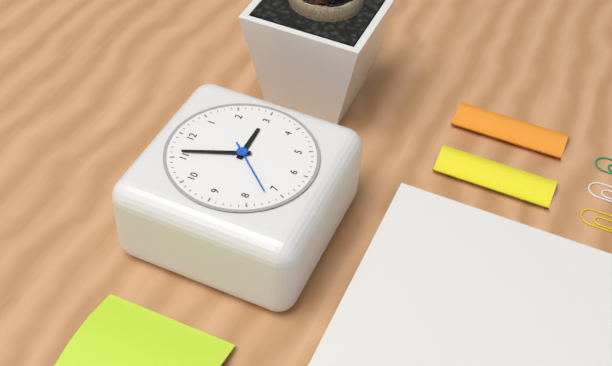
2:56:37
